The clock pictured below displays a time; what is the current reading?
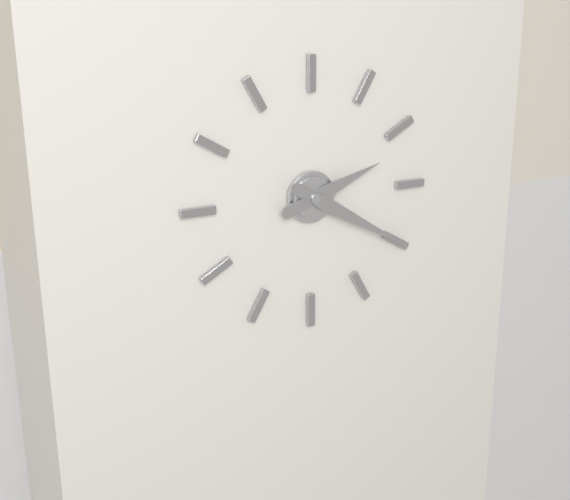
2:20
